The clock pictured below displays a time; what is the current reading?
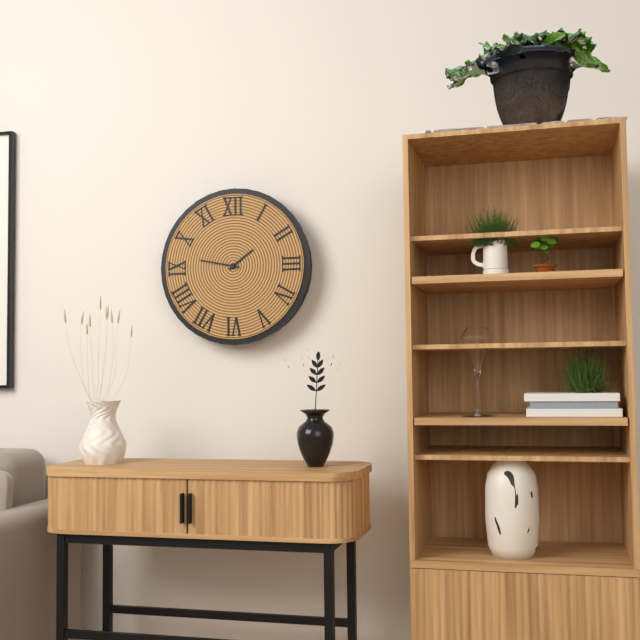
1:47
